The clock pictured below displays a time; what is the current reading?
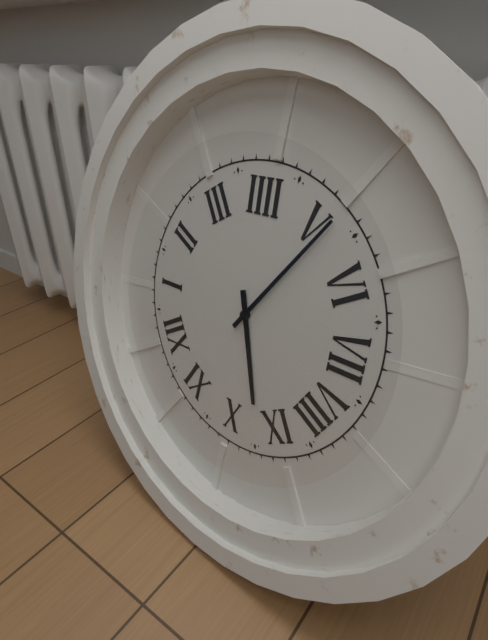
9:26
